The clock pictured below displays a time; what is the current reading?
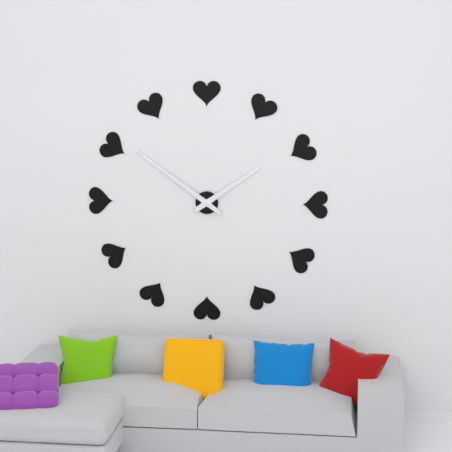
1:51
